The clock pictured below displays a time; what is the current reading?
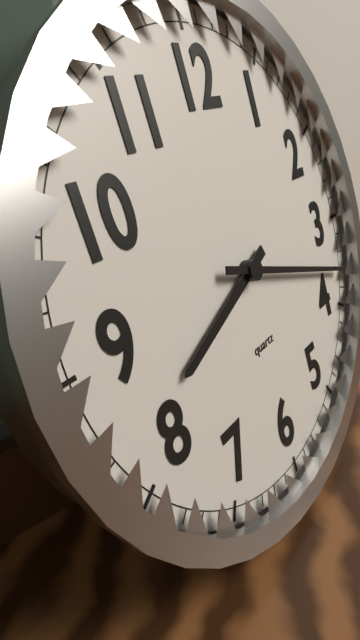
8:18
